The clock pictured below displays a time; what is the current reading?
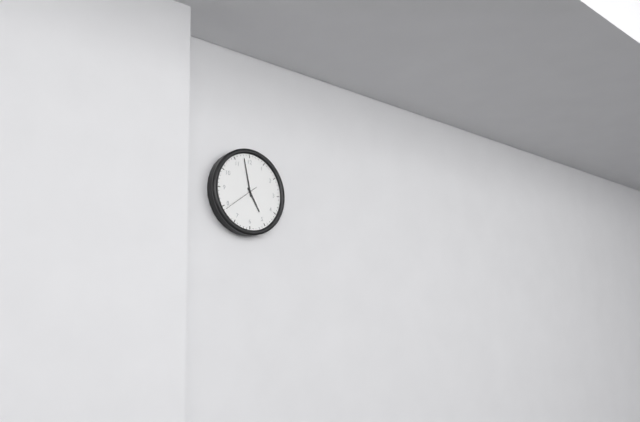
4:58
